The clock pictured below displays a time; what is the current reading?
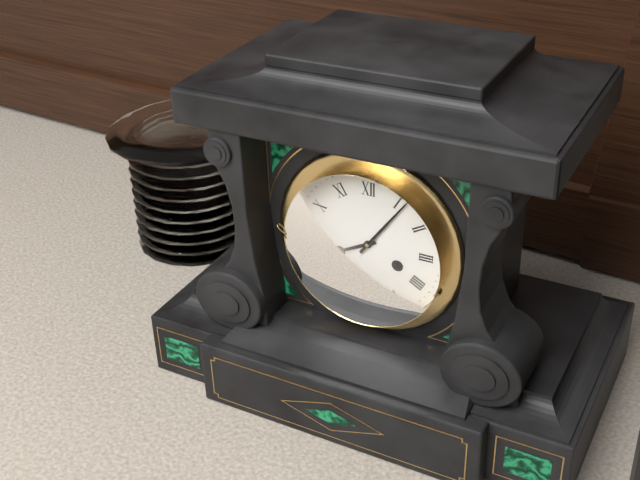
8:06
